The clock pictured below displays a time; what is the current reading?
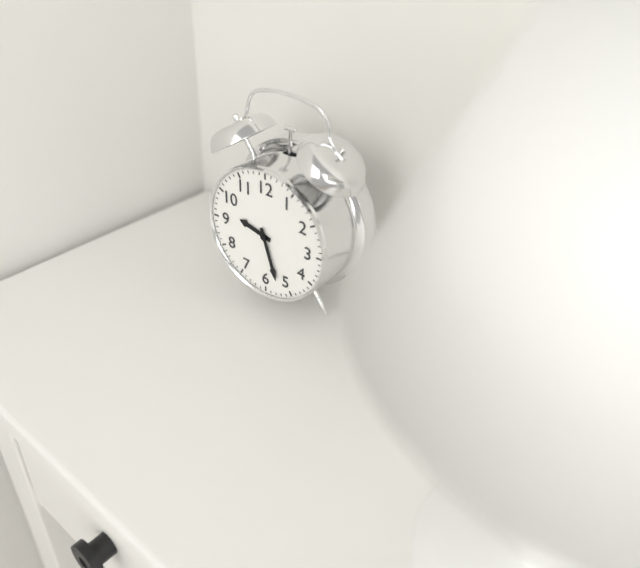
9:27
